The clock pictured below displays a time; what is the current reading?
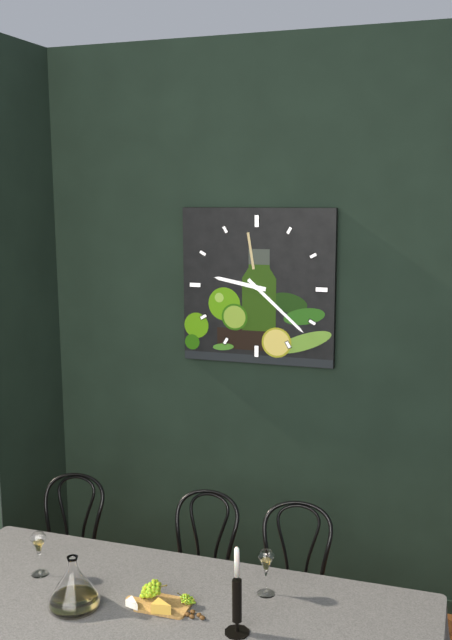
9:22
